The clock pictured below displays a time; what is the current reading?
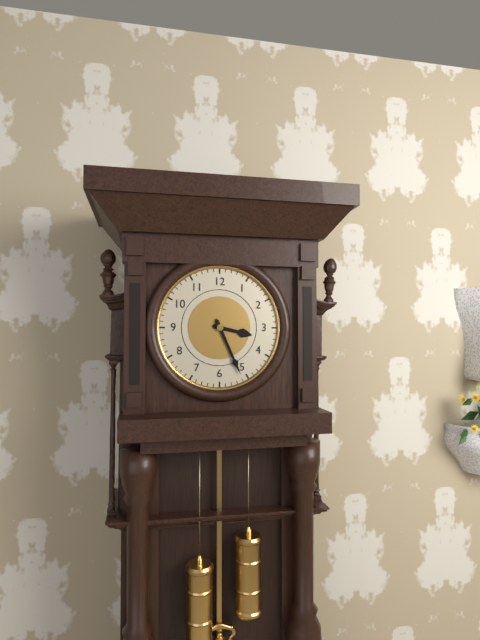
3:26
